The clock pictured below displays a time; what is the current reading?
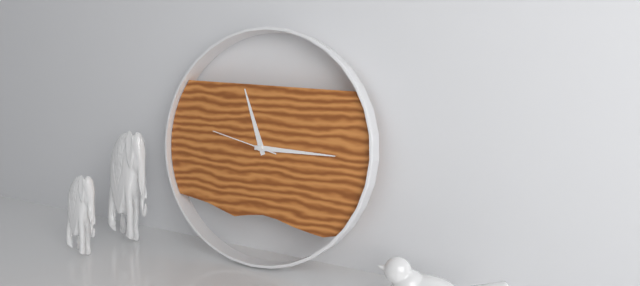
11:15:47
